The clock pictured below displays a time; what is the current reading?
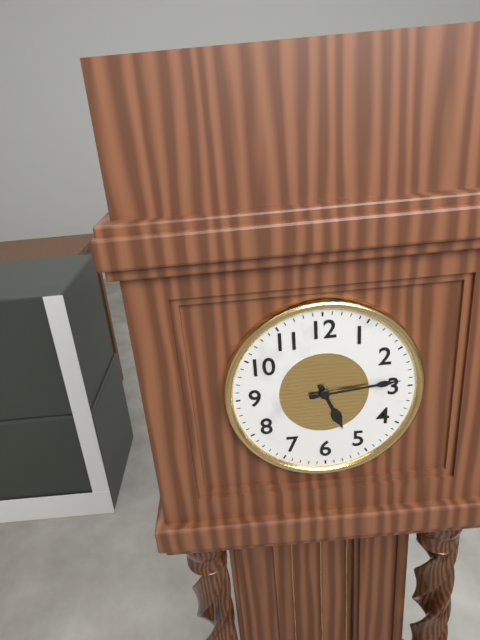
5:14
